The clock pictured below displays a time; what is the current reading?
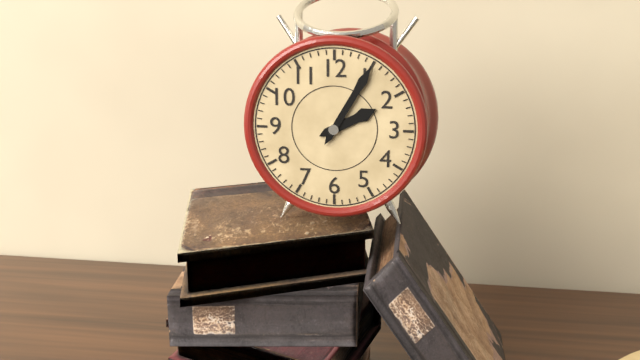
2:05
